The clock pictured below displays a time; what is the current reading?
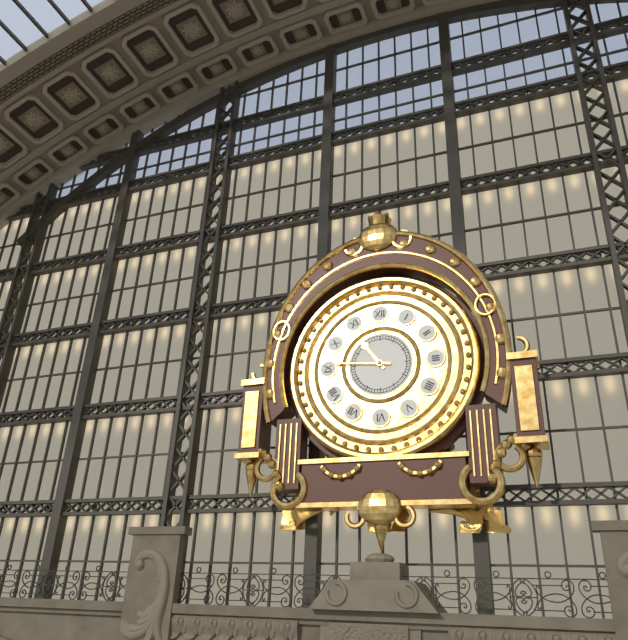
10:46
